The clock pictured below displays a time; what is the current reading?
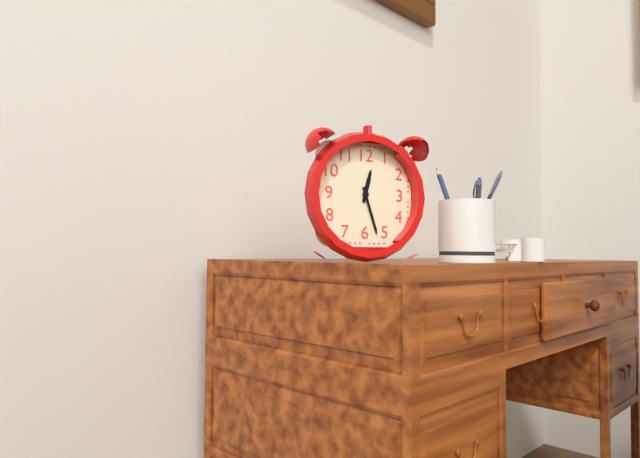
12:27
